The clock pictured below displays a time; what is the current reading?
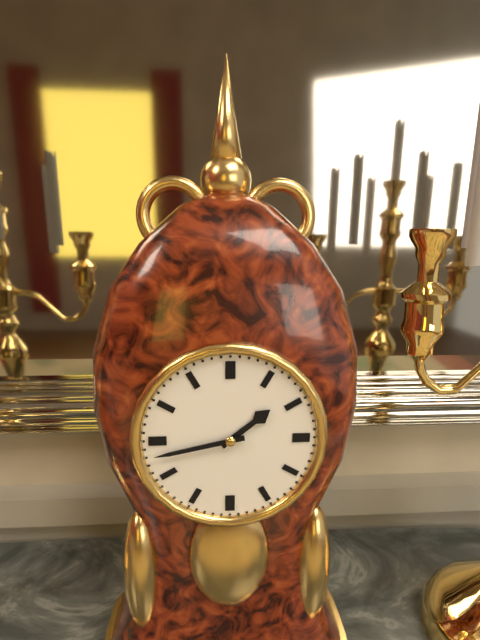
1:43
